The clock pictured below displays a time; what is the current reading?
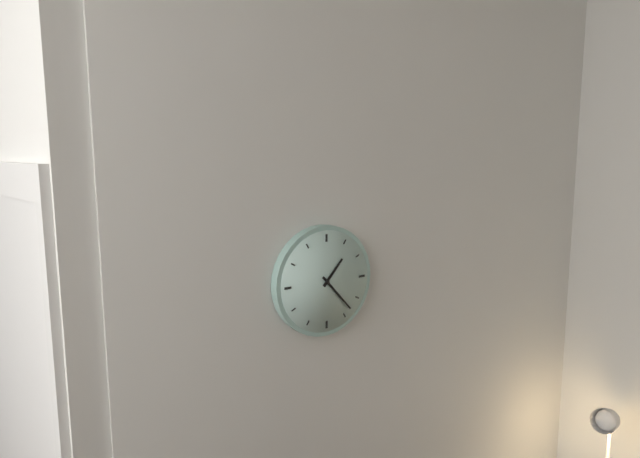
1:23
